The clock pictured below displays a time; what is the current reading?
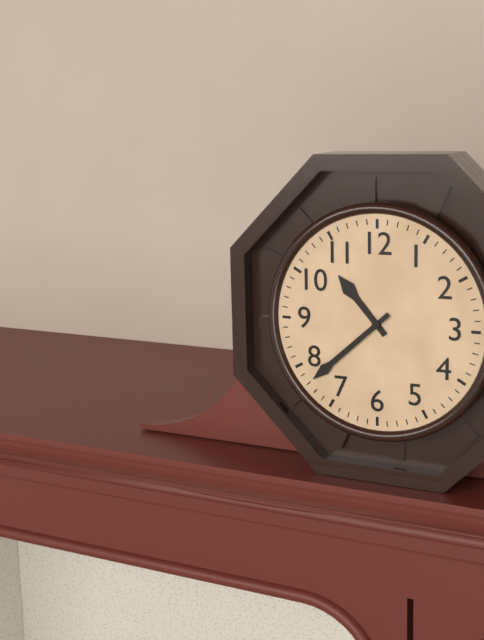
10:38
